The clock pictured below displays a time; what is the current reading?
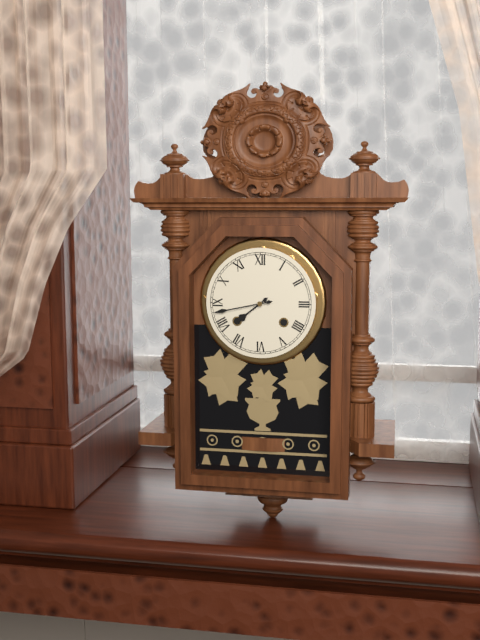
7:43
